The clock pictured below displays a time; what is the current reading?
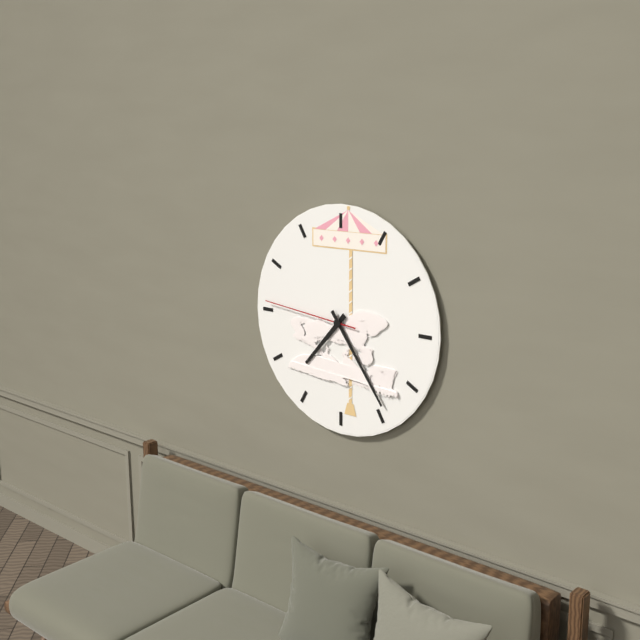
7:24:46
